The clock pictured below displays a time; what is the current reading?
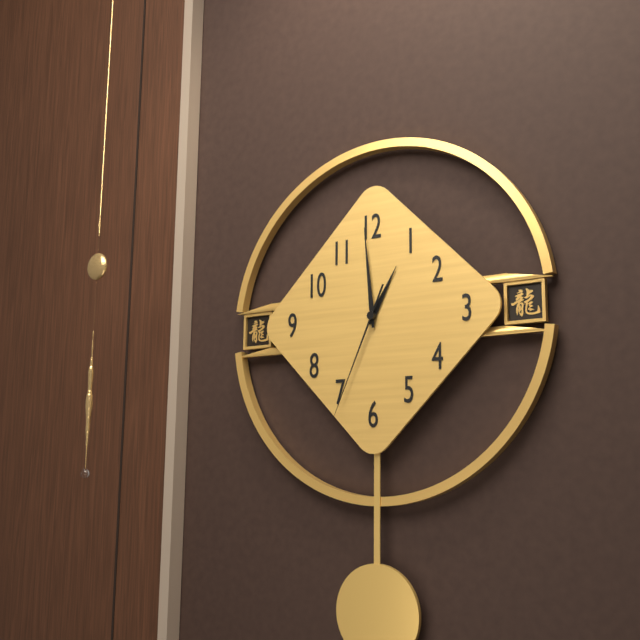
12:59:34
